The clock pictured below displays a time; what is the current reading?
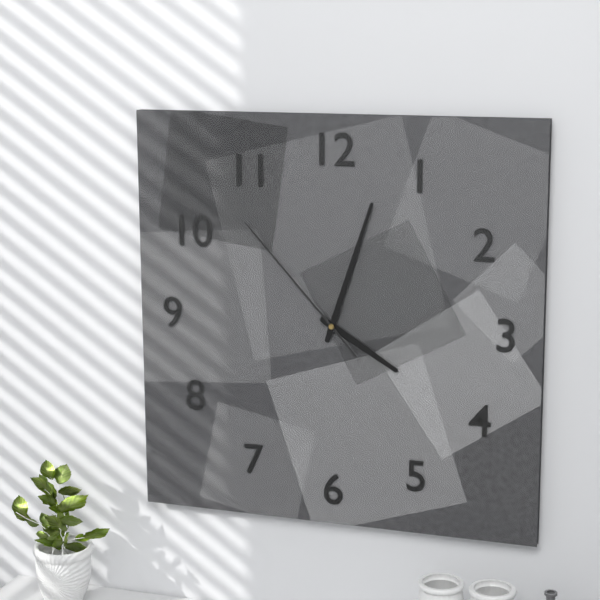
4:03:53
